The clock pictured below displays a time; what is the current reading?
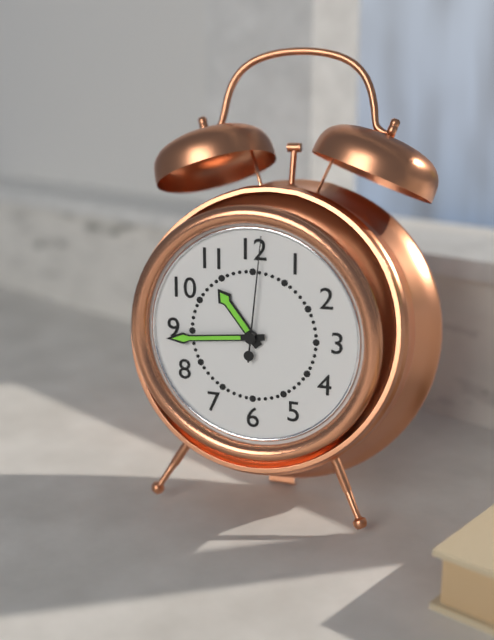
10:44:01
